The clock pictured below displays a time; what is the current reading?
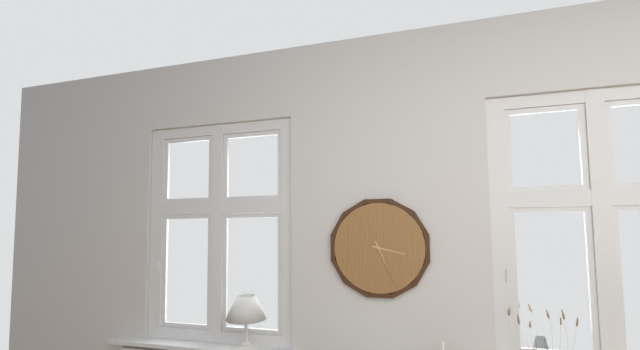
3:26
